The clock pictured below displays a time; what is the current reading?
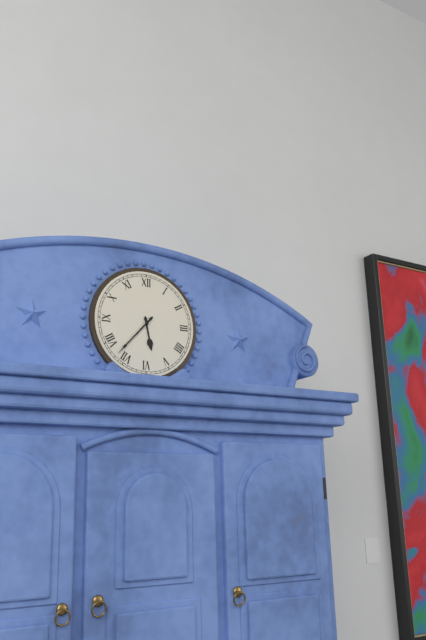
5:37
